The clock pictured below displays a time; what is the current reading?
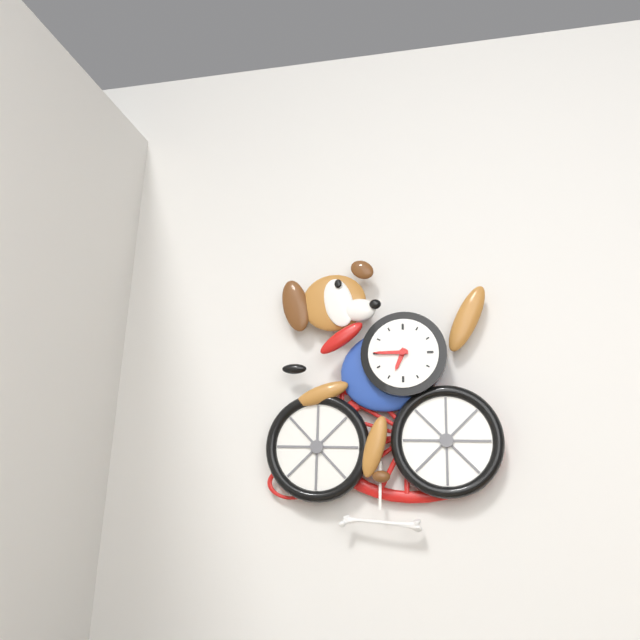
6:45
